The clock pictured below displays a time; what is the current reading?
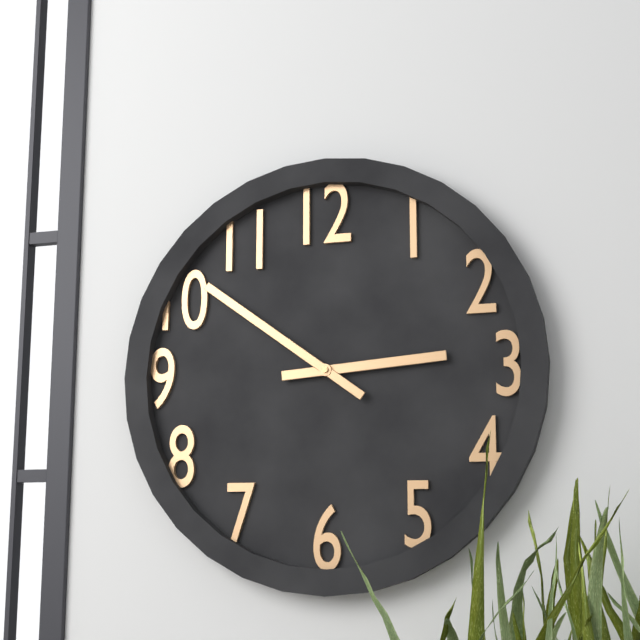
2:51
